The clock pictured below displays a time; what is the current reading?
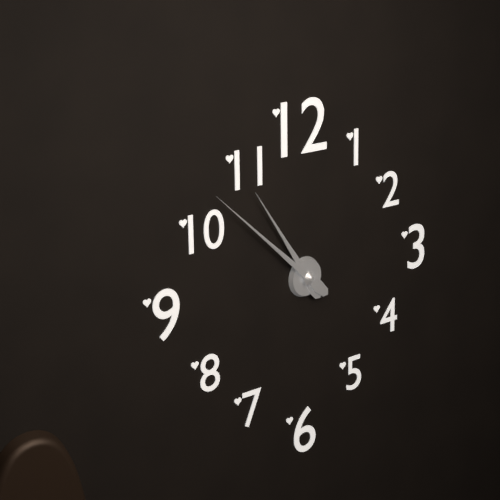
10:52
